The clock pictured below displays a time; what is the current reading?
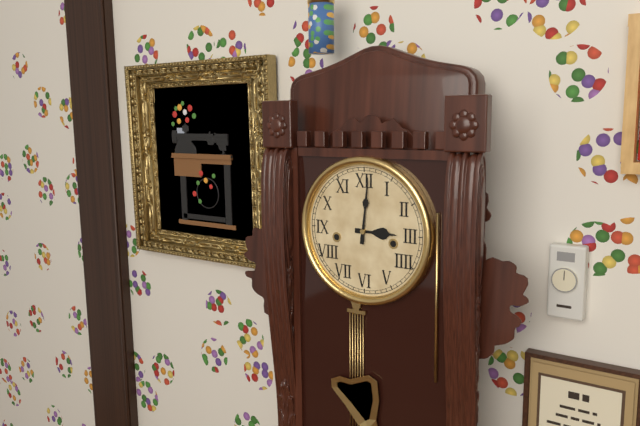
3:01
